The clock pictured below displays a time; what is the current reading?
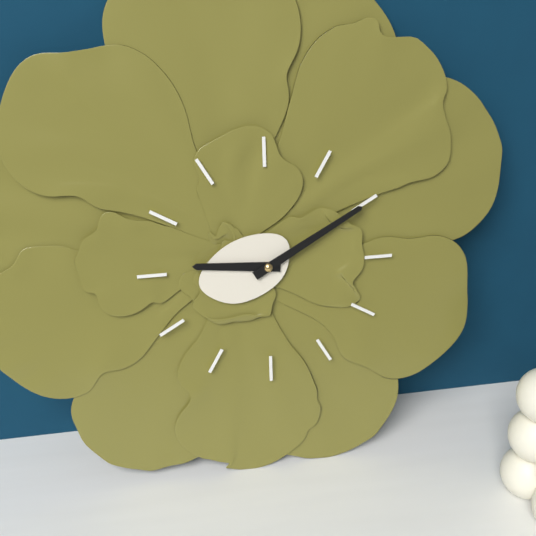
9:10
